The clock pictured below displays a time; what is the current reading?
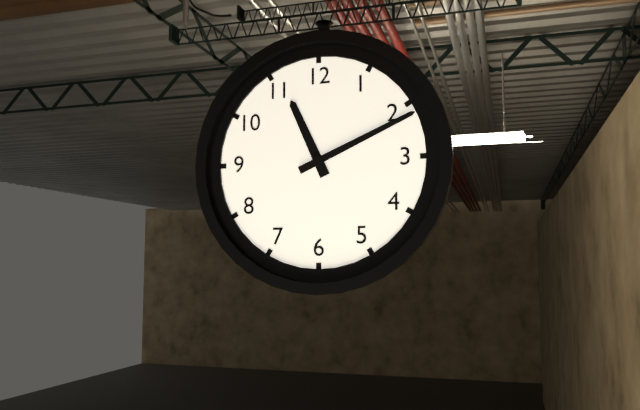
11:11
